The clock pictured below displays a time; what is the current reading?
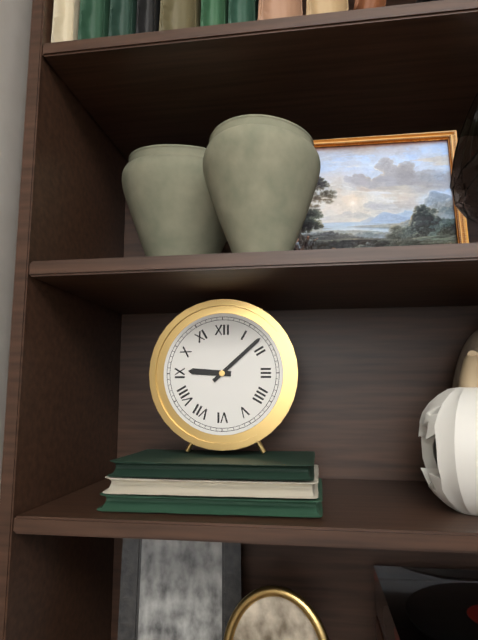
9:08
